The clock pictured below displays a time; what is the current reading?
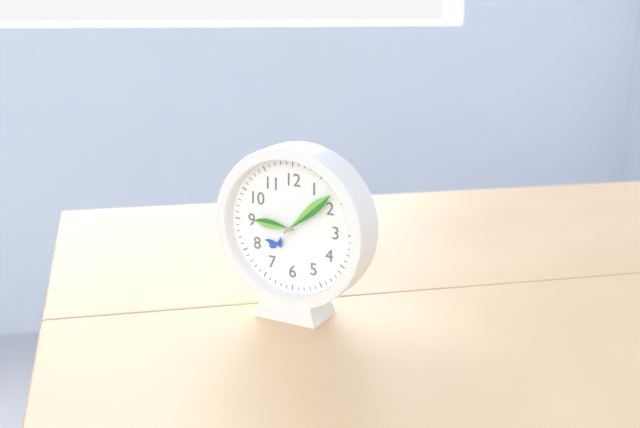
9:08
